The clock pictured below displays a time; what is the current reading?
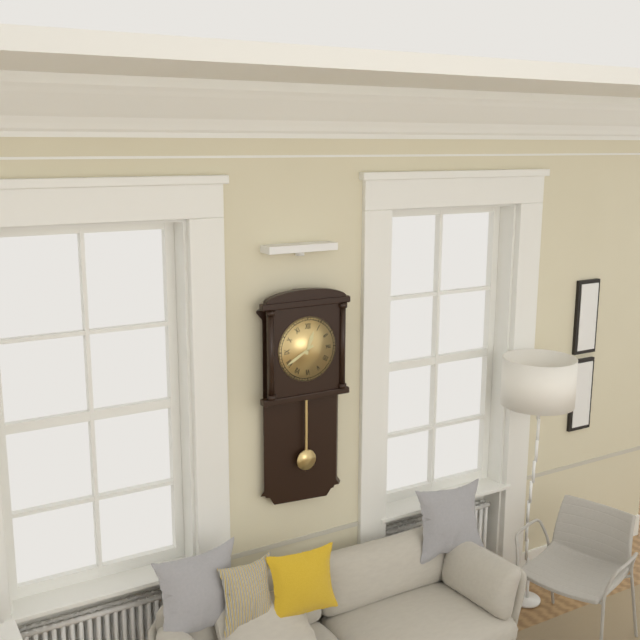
12:40
